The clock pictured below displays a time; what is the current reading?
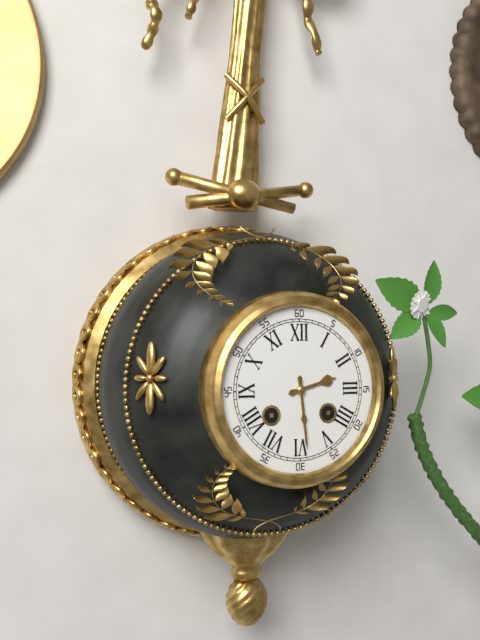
2:29
